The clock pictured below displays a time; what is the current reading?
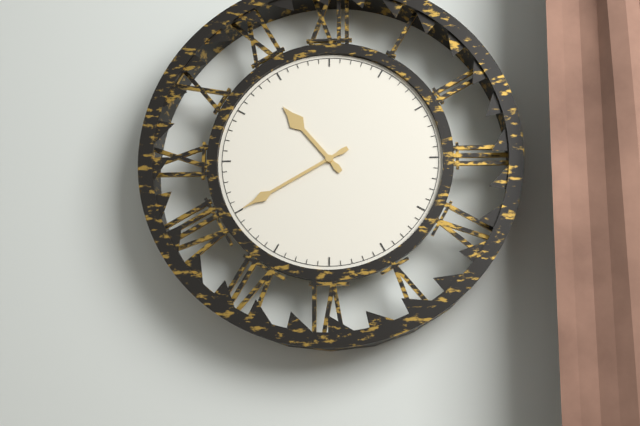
10:40
